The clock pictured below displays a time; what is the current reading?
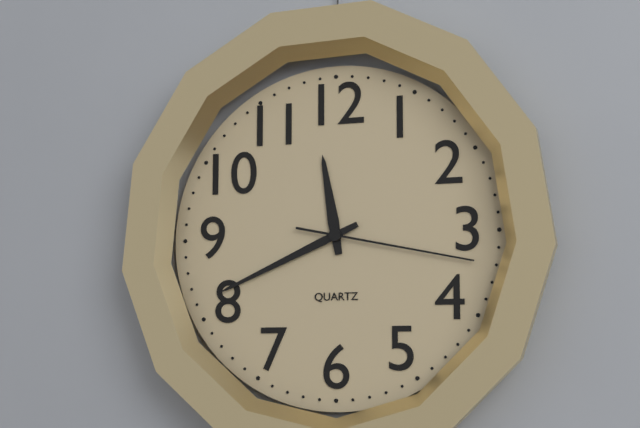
11:41:17
